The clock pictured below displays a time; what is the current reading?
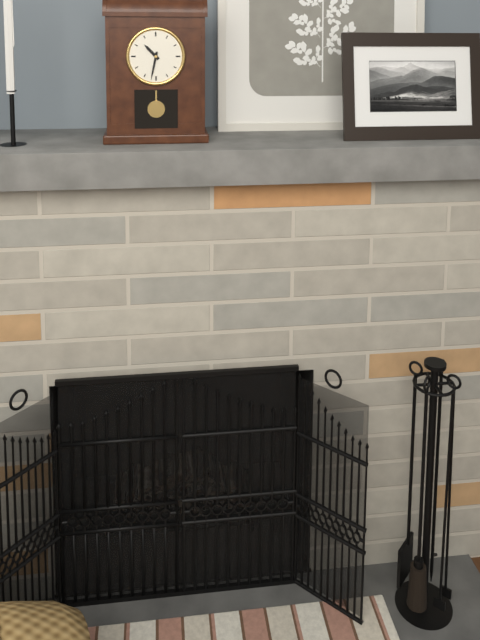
10:32
